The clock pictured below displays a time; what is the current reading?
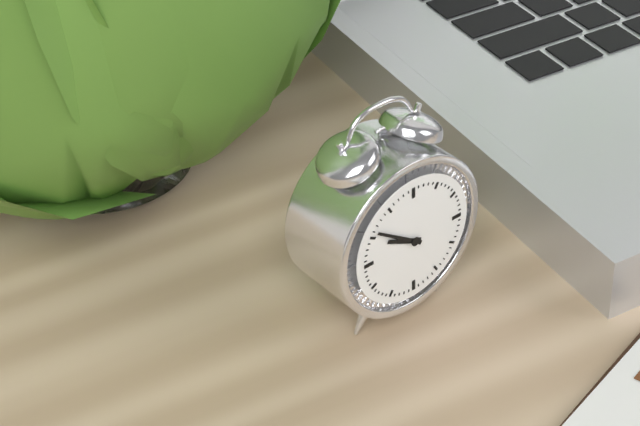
9:51
